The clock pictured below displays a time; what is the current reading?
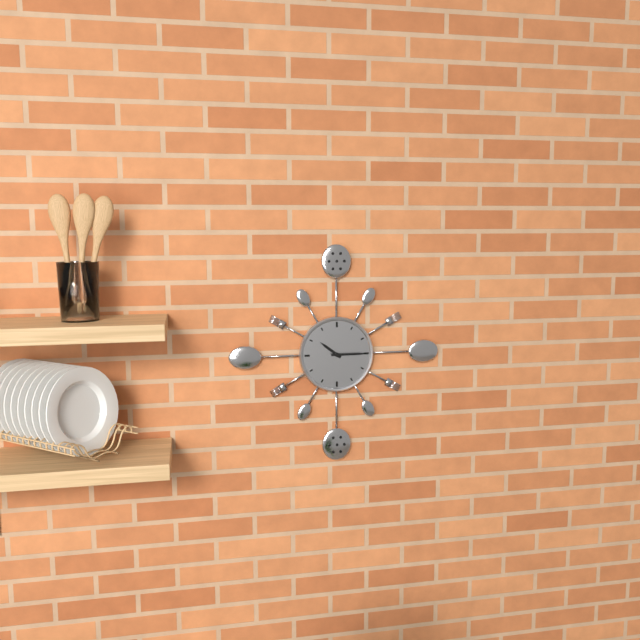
10:15
